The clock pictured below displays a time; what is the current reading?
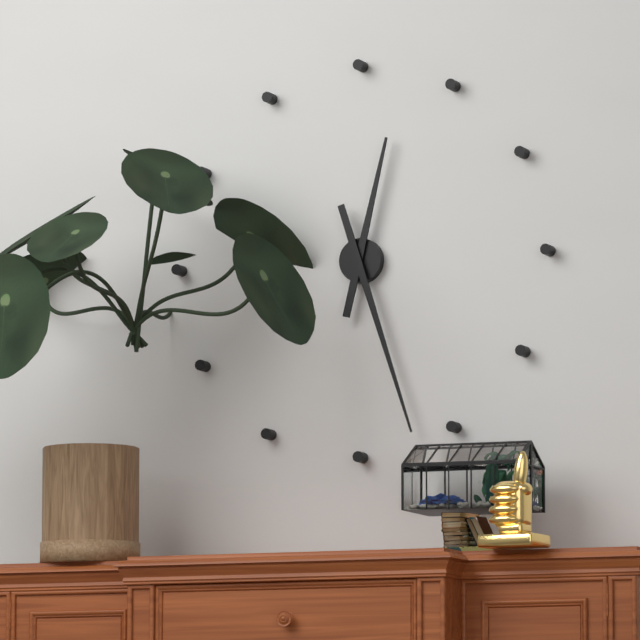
12:27
